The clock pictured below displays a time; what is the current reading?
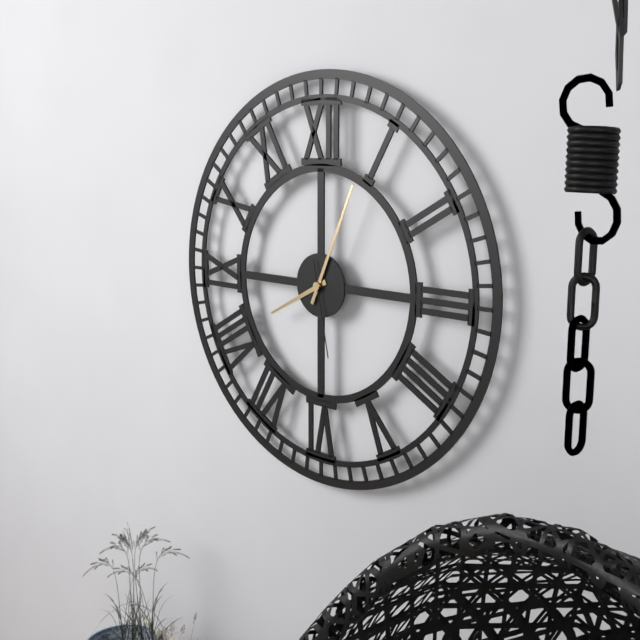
8:04:28
